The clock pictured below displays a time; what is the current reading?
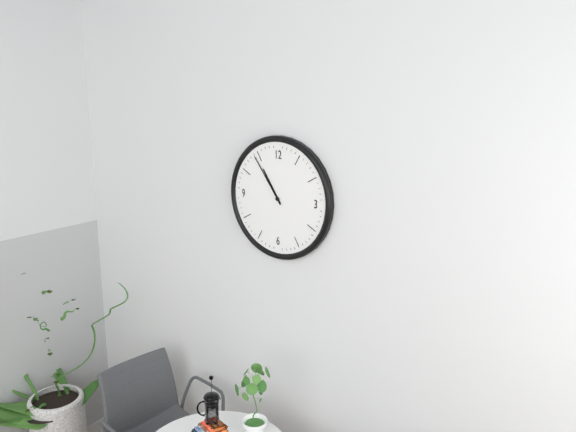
10:54
